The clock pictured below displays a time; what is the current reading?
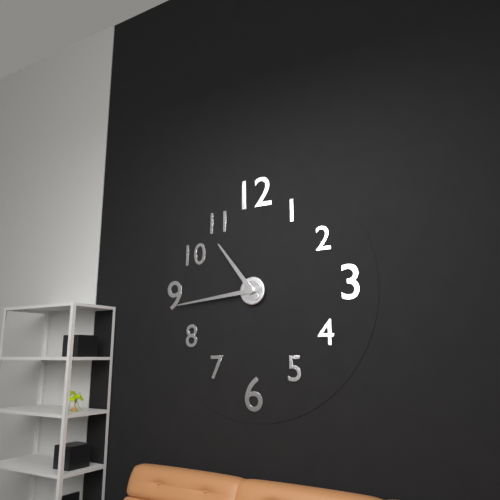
10:44
